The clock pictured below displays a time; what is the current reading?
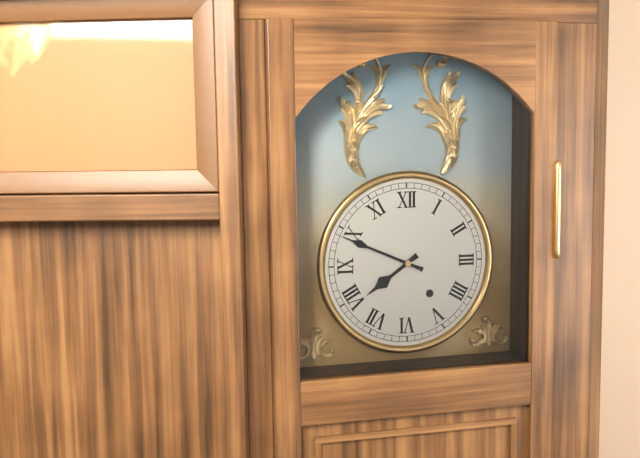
7:49
